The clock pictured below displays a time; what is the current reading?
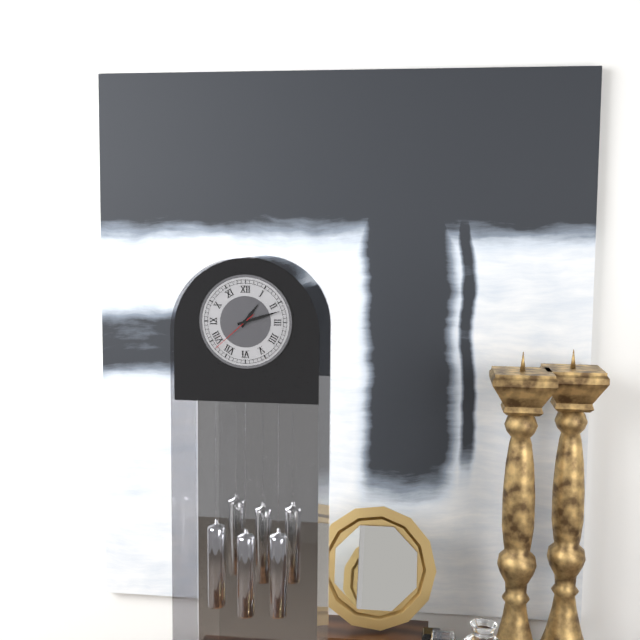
1:12
